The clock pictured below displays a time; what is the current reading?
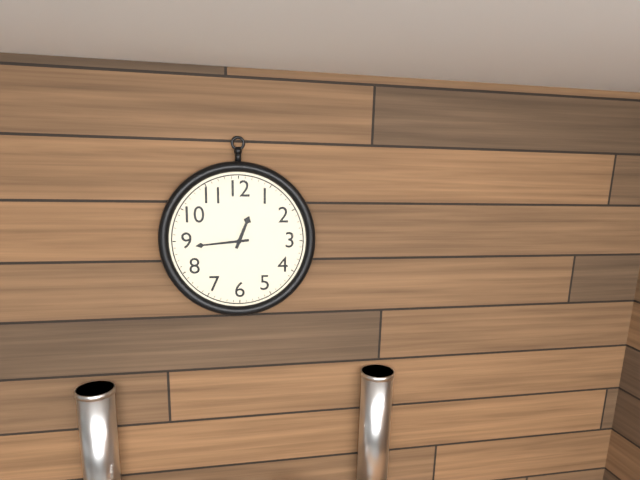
12:44
